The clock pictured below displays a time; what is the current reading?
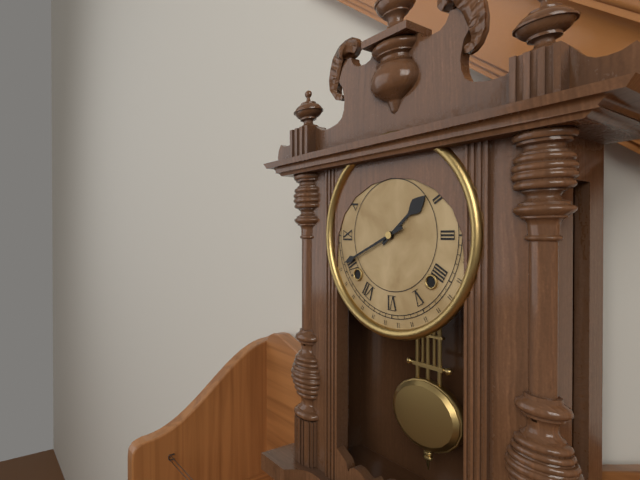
1:41
